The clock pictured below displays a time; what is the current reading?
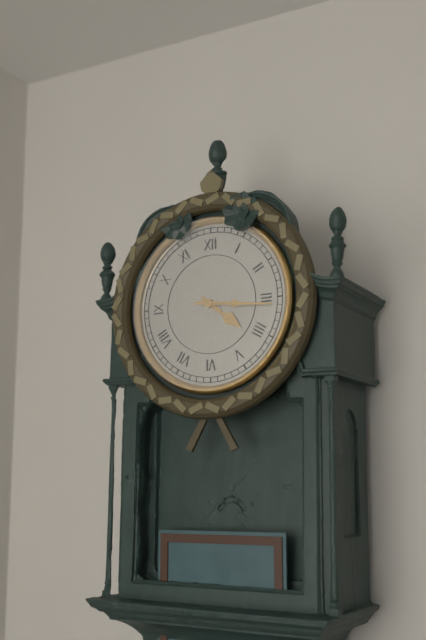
4:16
